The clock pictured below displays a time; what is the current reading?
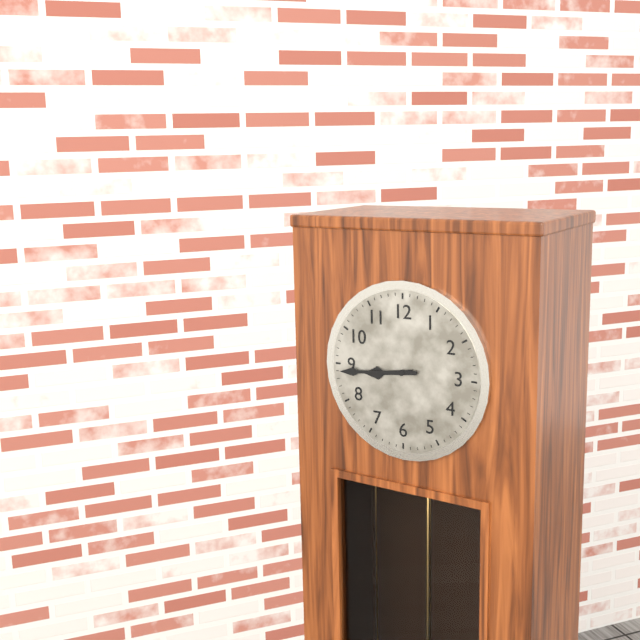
8:44
